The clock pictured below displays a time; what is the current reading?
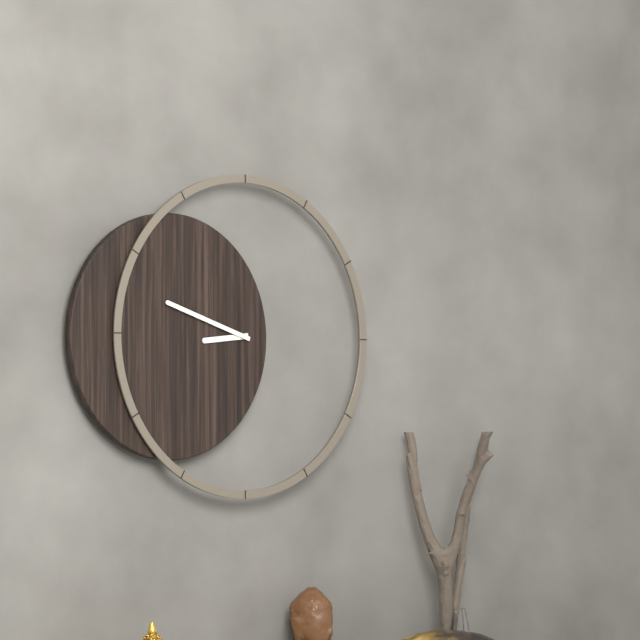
8:48
